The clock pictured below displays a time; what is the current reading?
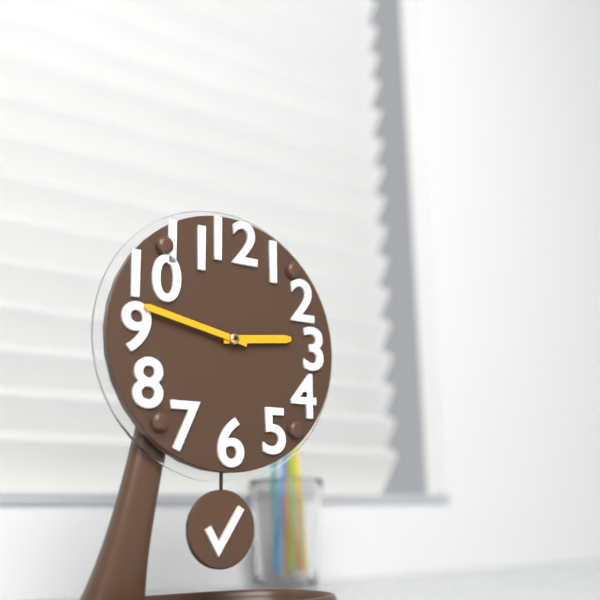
2:47
